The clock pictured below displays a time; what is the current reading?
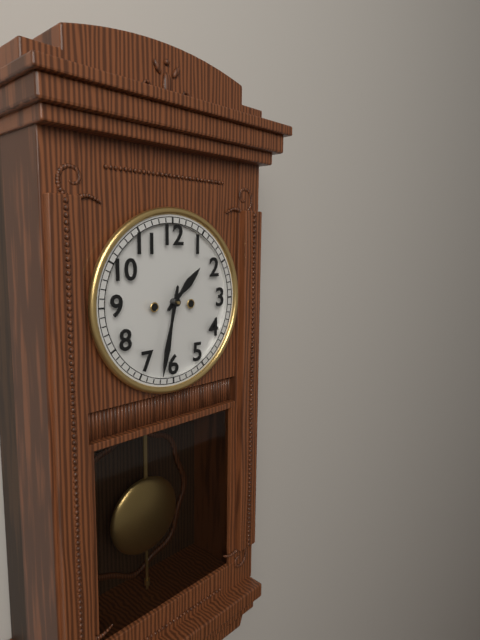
1:32
